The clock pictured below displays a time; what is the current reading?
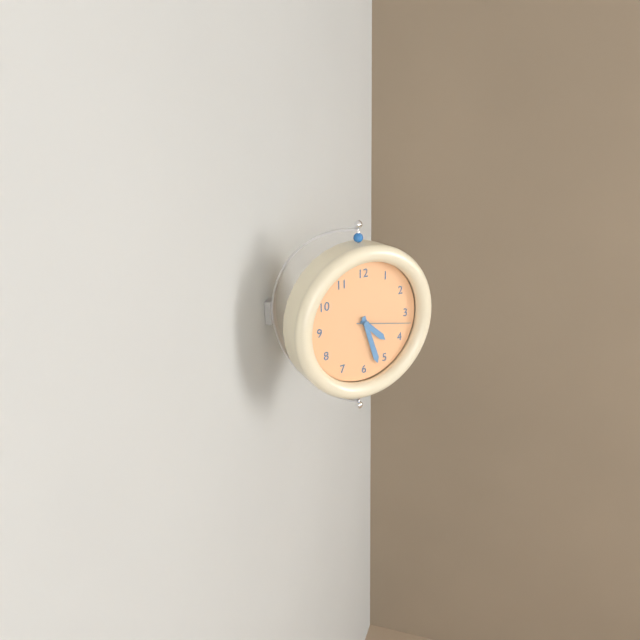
4:27:17
